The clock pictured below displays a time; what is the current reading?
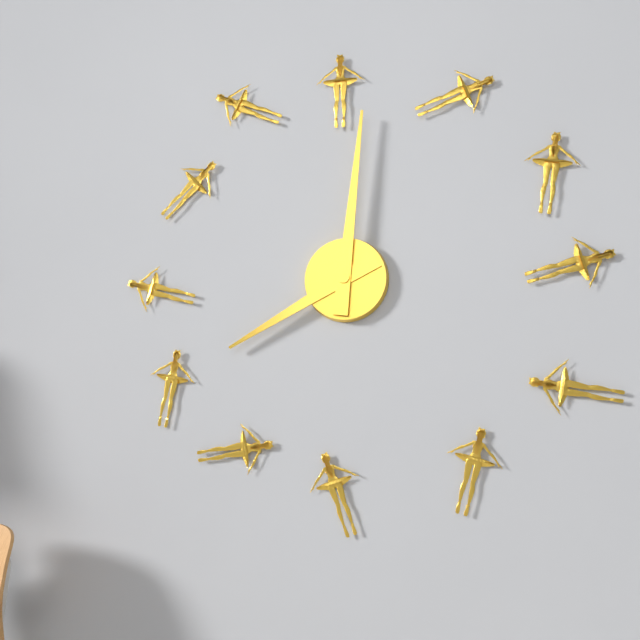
8:01
